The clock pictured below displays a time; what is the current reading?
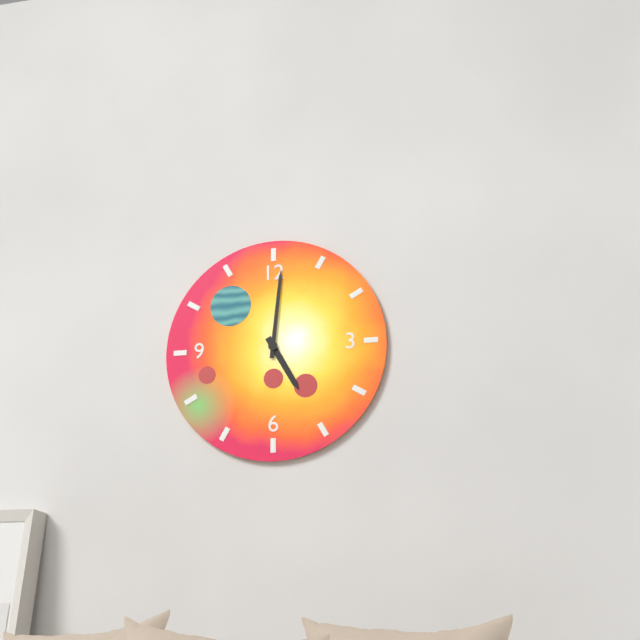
5:01
